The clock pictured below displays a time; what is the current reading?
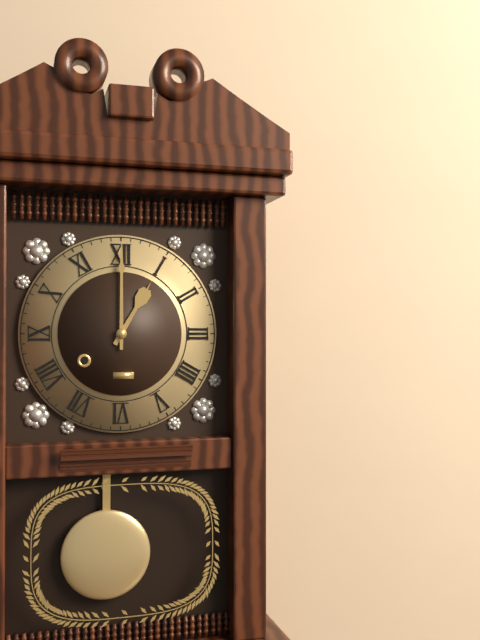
1:00
